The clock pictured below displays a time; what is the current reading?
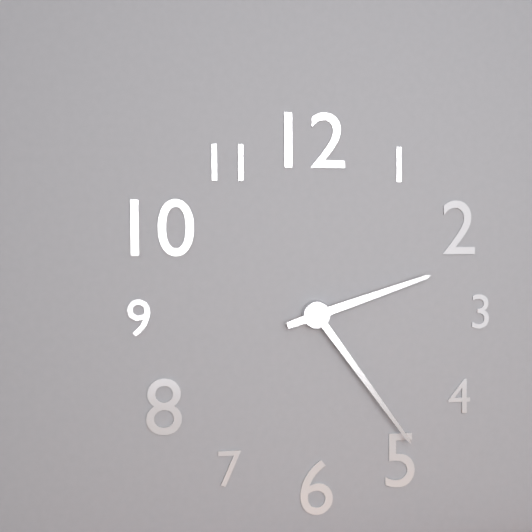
2:24
